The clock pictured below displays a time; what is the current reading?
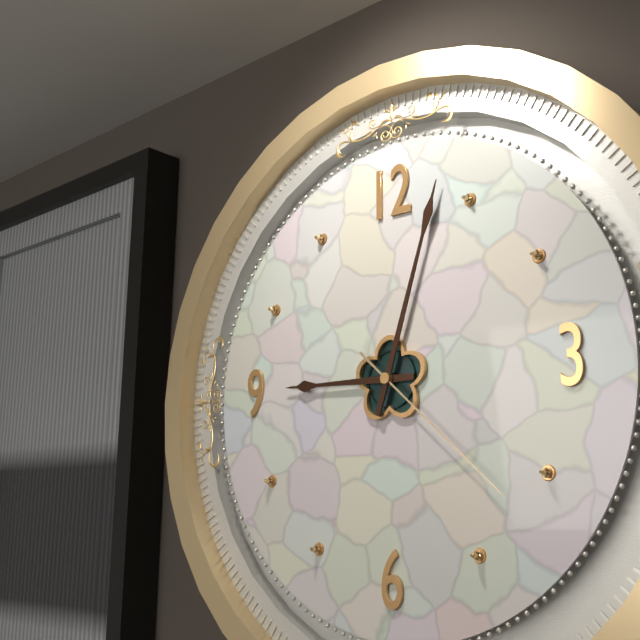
9:03:22
